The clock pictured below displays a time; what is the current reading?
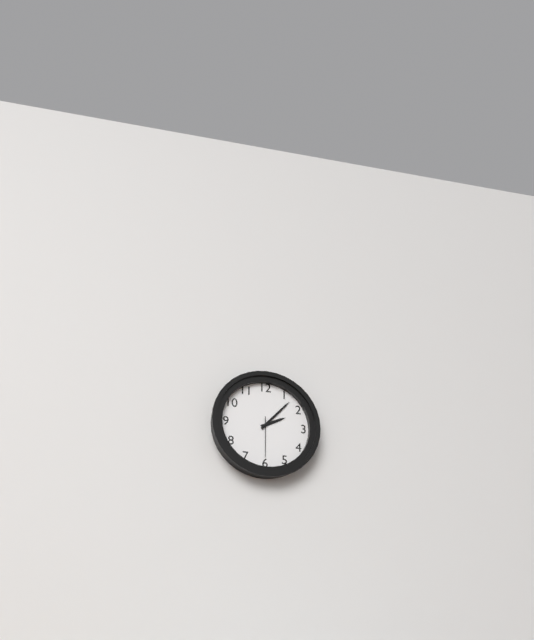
2:07
